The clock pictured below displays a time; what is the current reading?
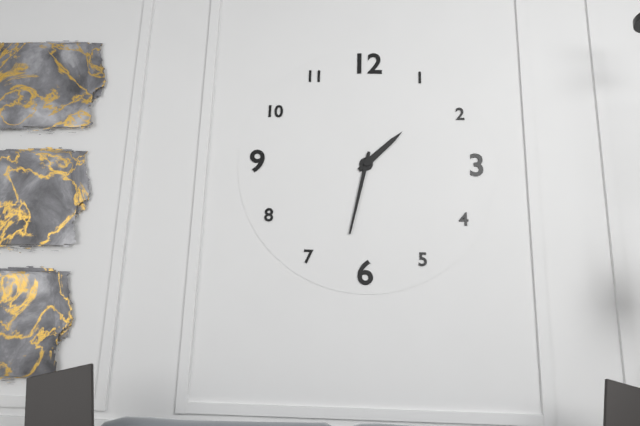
1:32
